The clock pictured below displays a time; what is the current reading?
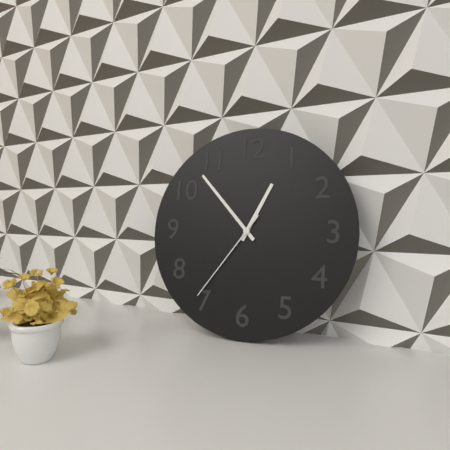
12:53:36
